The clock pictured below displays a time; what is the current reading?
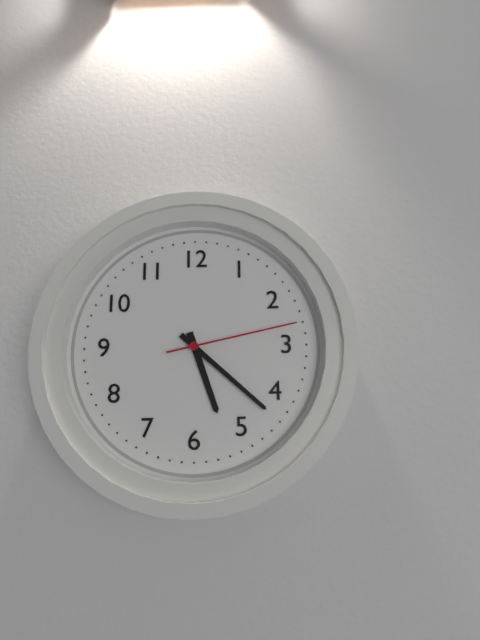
5:22:13
